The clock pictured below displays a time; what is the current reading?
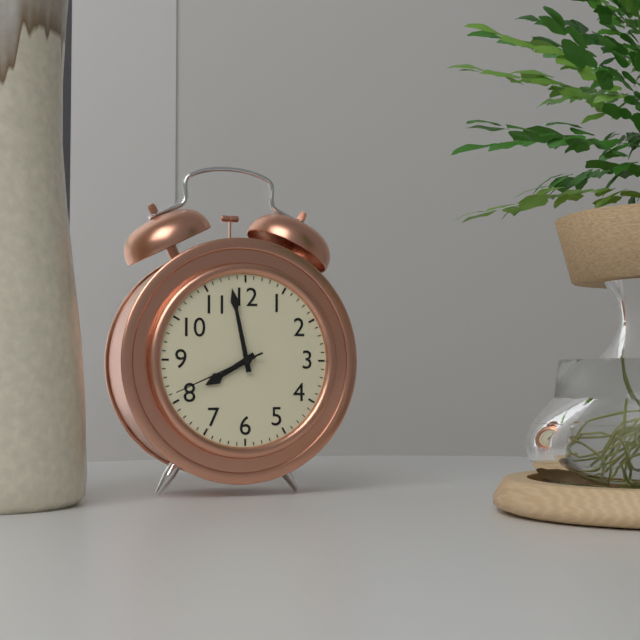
7:58:41
